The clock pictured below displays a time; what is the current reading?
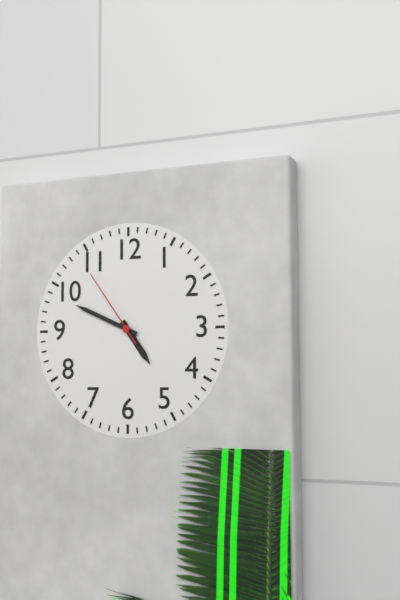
4:49:54
